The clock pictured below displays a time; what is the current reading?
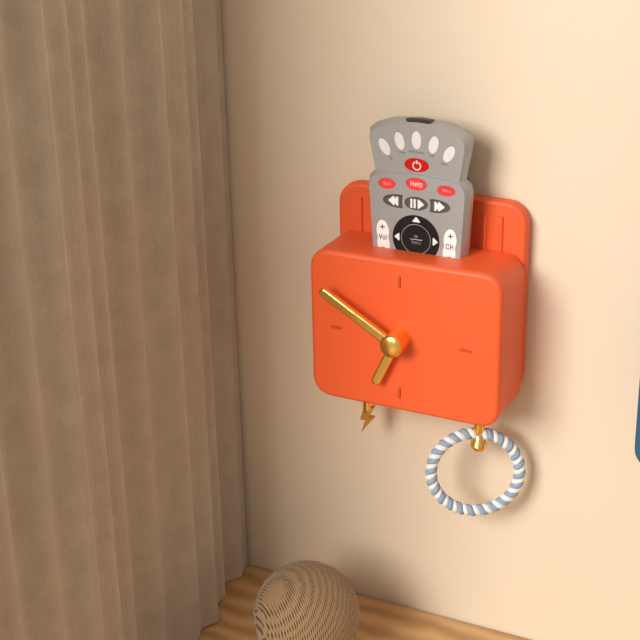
6:50
